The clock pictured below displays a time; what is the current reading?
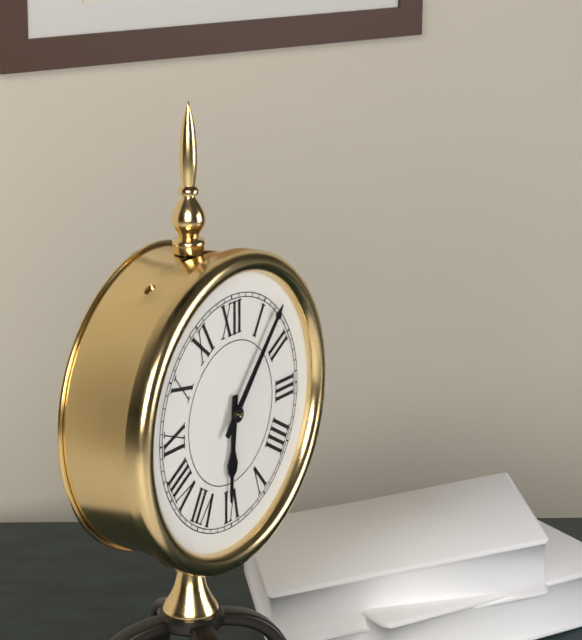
6:07
